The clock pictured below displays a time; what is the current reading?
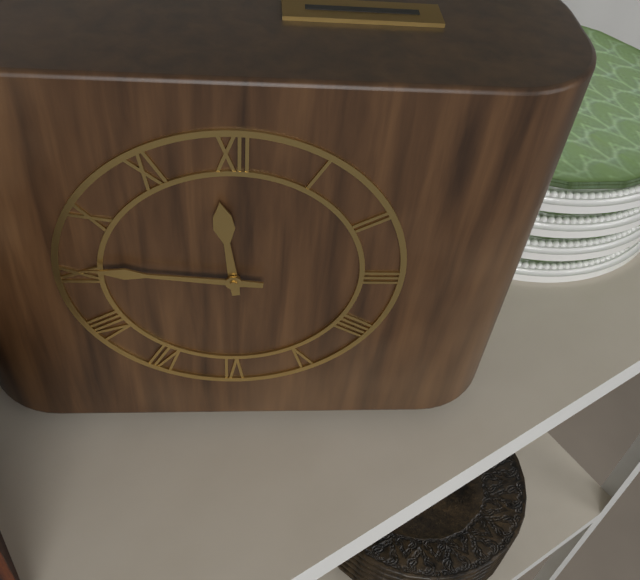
11:46
